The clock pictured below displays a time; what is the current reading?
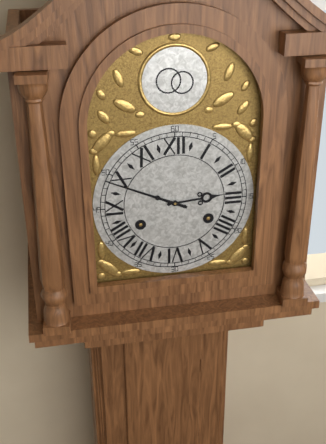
2:49
